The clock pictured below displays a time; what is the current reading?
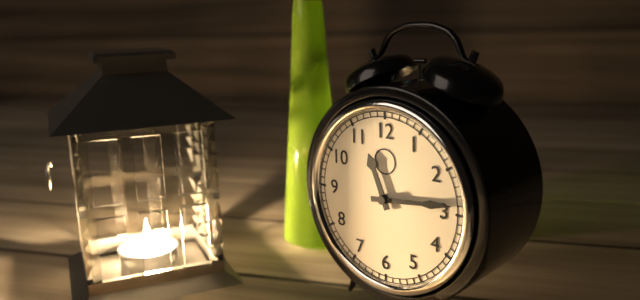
11:14
